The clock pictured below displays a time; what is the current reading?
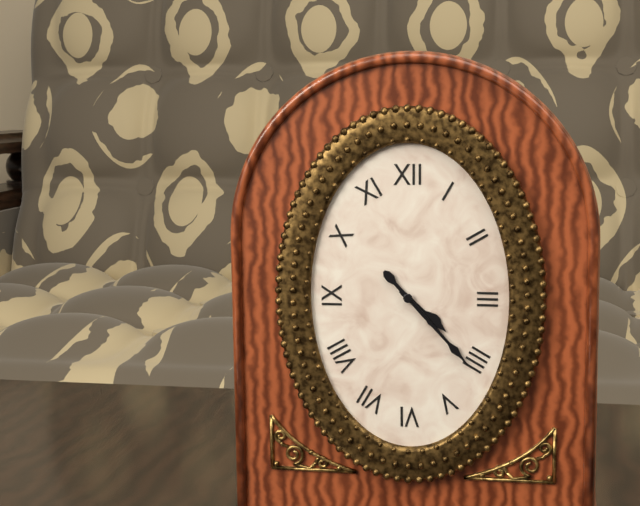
4:23
